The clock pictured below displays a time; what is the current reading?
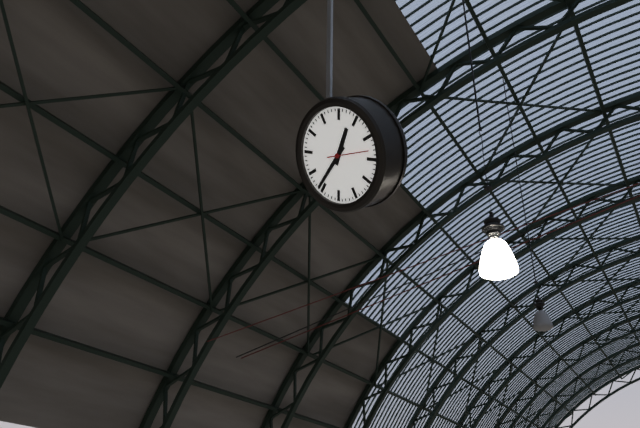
1:41
